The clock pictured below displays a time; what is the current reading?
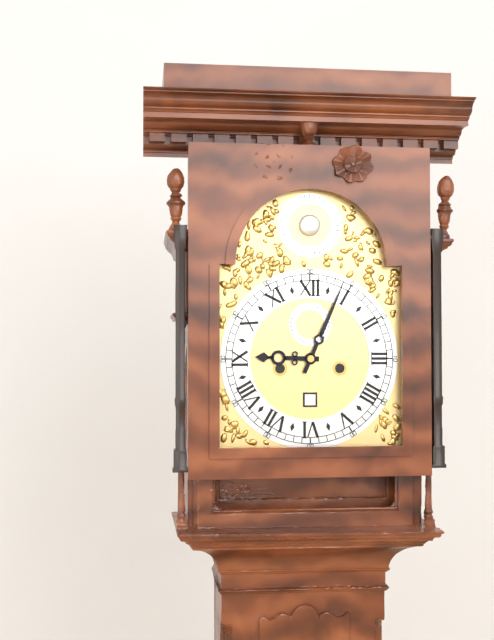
9:04
